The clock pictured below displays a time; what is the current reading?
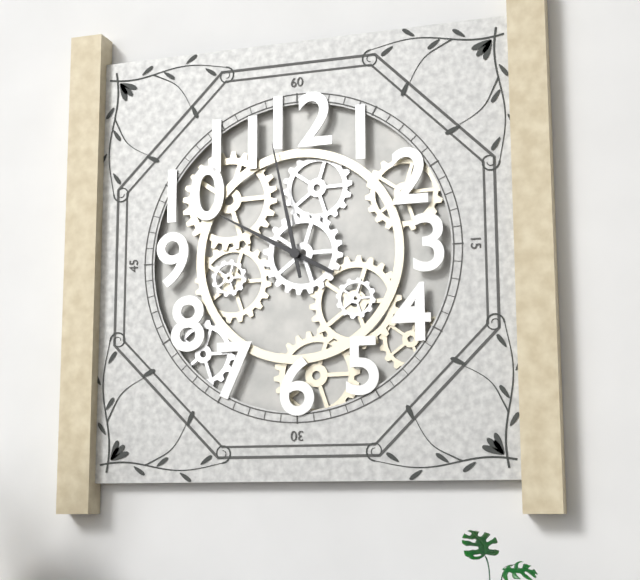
9:58
